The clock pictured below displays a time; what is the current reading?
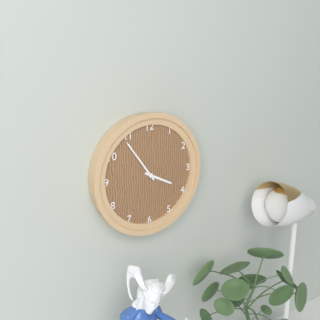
3:54
